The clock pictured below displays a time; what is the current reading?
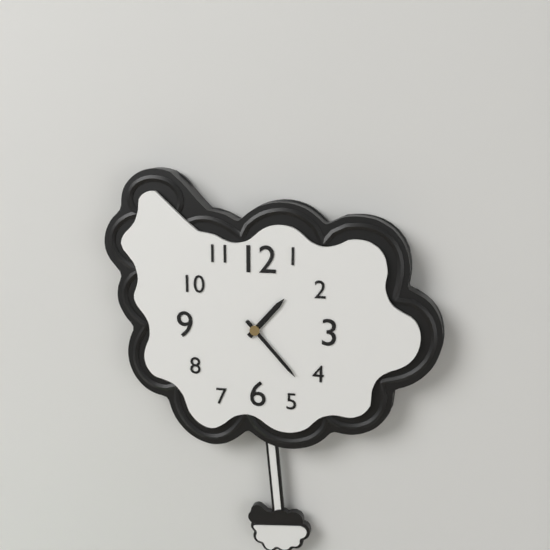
1:23
